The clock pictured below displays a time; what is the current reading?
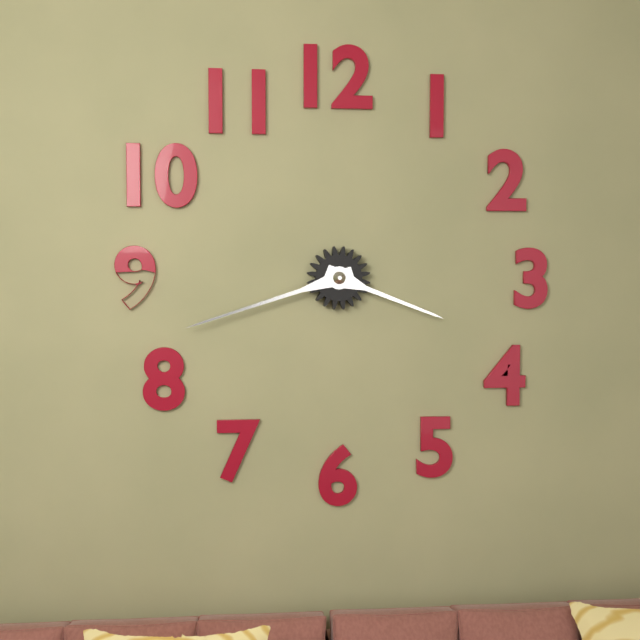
3:42
